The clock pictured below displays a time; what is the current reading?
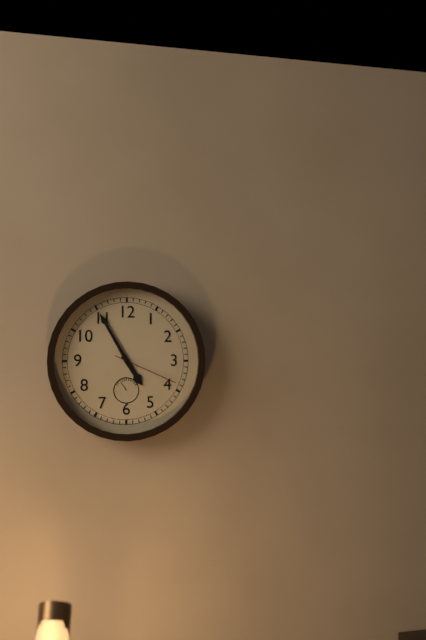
4:55:19
